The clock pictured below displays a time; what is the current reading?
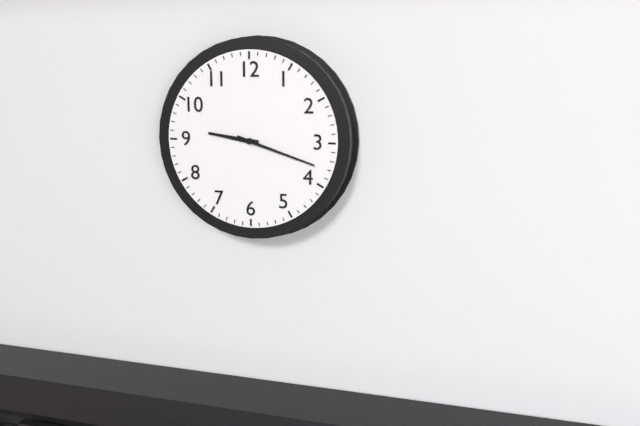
9:18
